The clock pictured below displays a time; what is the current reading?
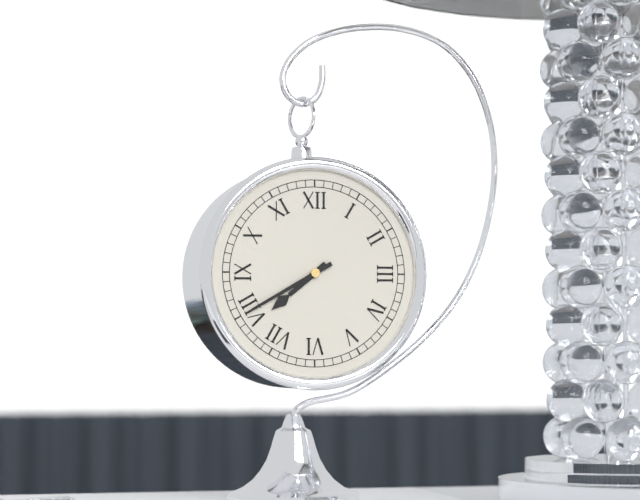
7:40
